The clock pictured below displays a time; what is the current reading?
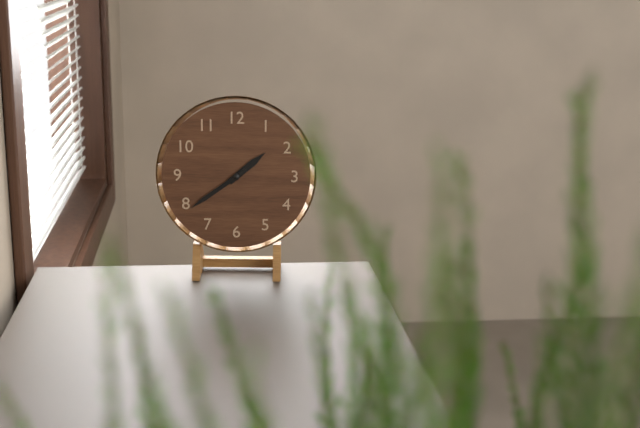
1:39
